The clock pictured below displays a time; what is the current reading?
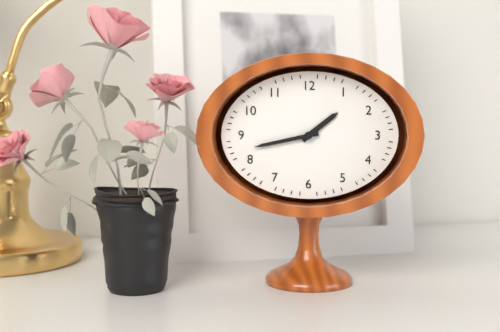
1:43
